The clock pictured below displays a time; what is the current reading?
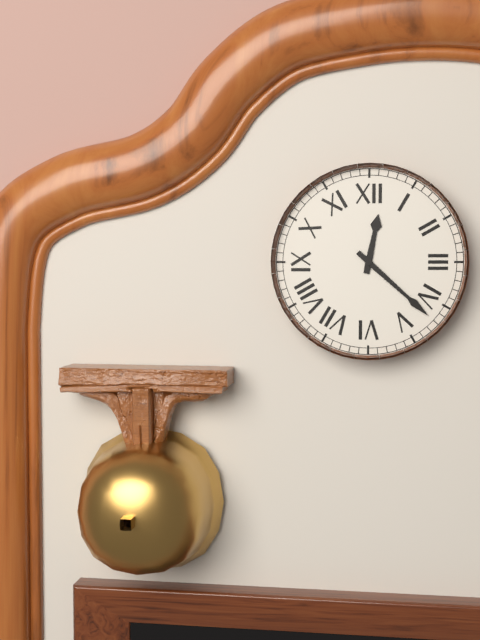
12:22
